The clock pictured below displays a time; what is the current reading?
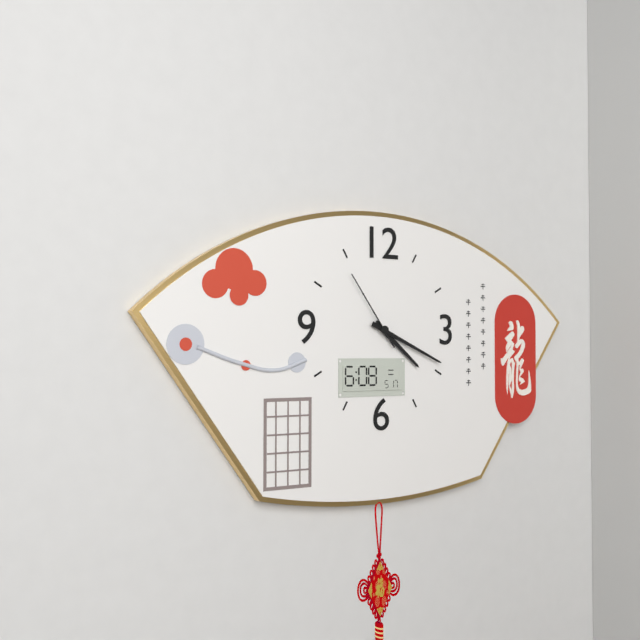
4:19:54
